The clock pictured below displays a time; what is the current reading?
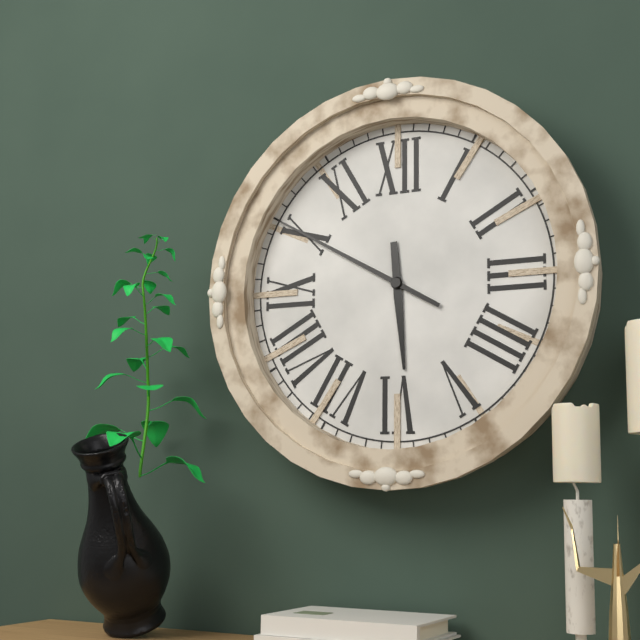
5:50
